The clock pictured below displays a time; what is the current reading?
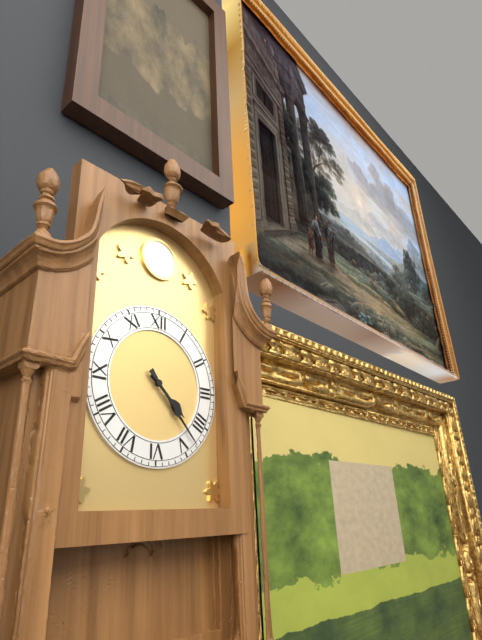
4:23
